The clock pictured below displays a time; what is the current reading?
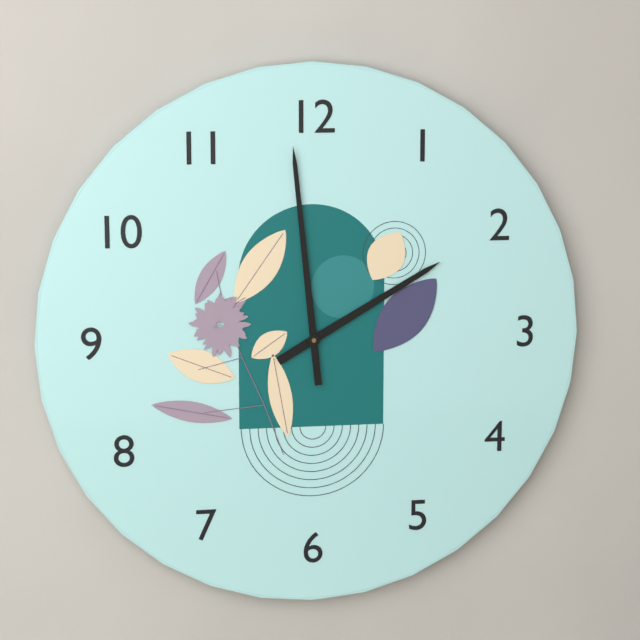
1:59
